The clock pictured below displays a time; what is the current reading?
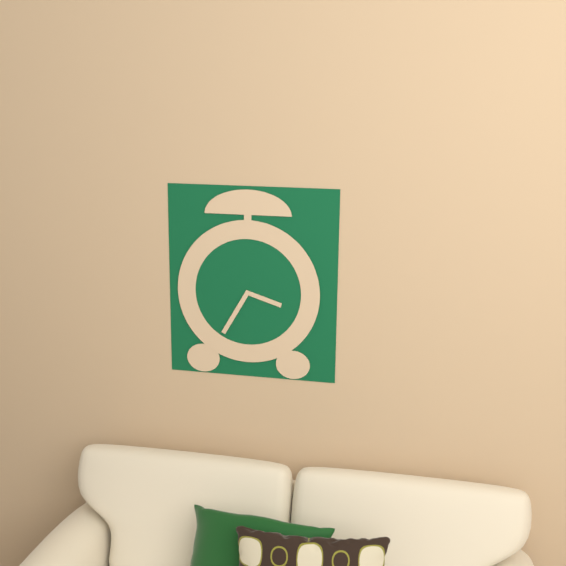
3:35
